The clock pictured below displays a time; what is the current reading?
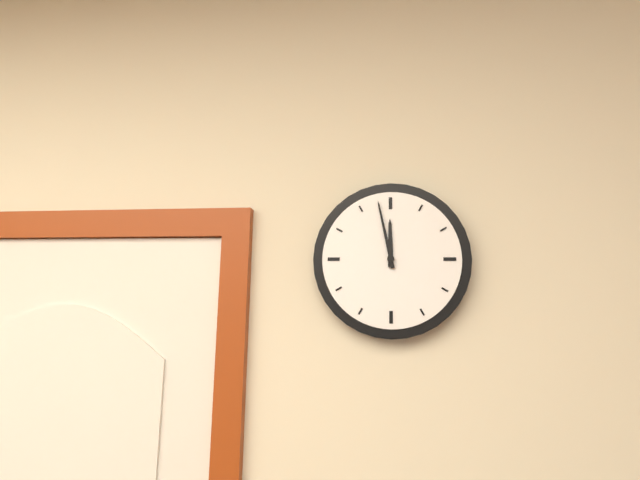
11:58
